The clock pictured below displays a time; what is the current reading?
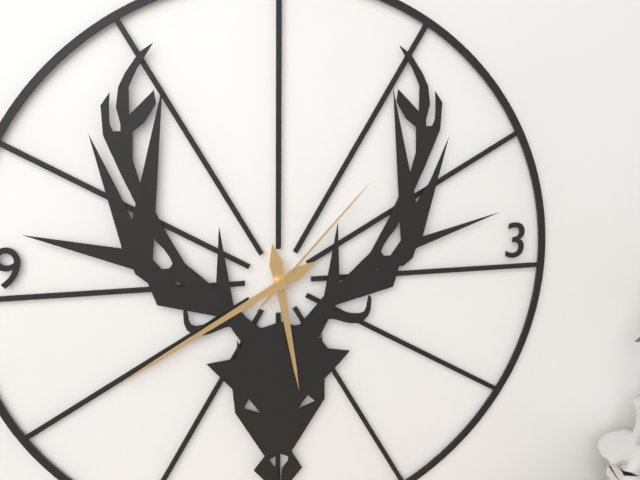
5:40:07
